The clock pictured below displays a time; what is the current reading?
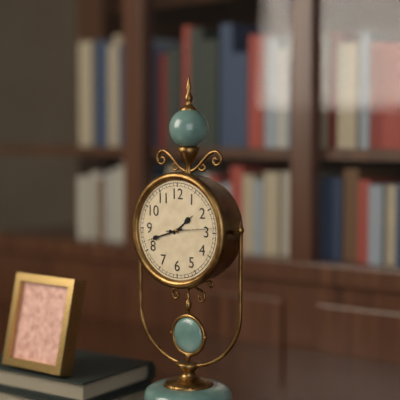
1:42
